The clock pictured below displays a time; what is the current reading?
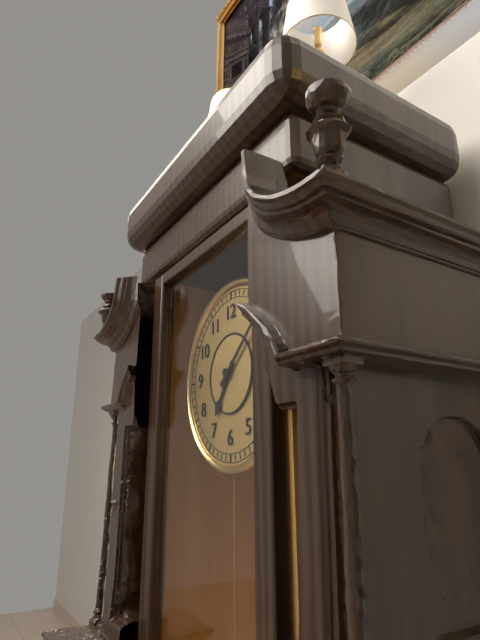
7:08
